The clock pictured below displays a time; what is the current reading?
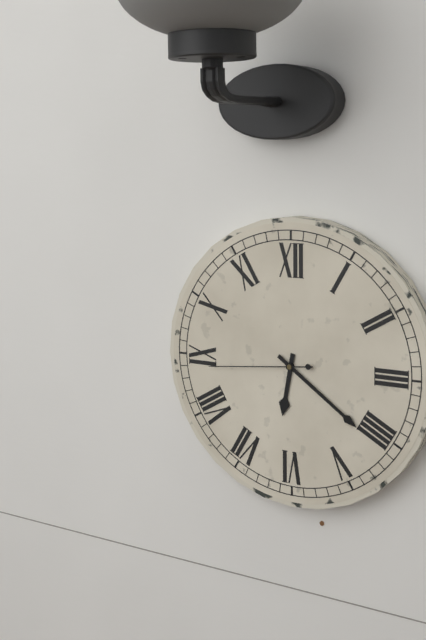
6:21:44
